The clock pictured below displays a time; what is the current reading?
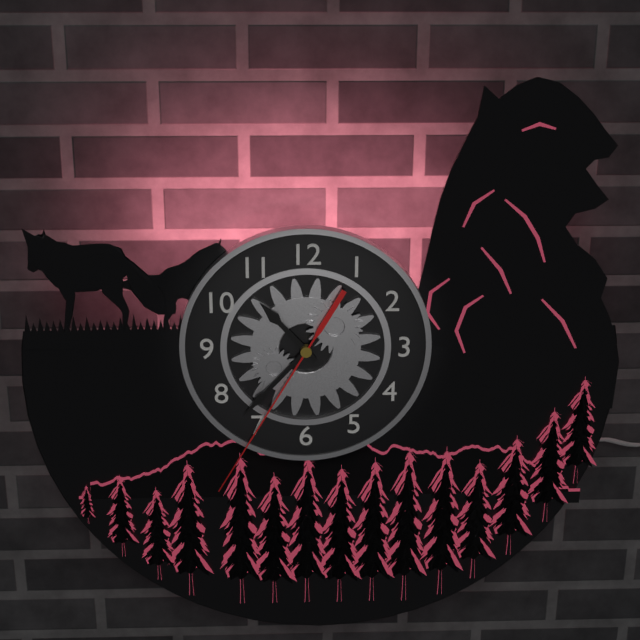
10:37:35
